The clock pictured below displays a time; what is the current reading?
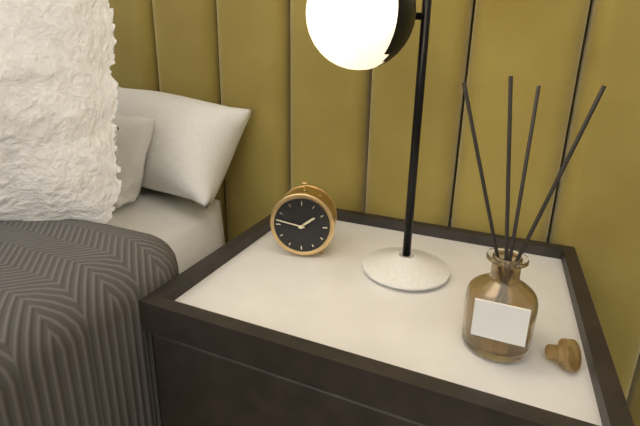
1:47
